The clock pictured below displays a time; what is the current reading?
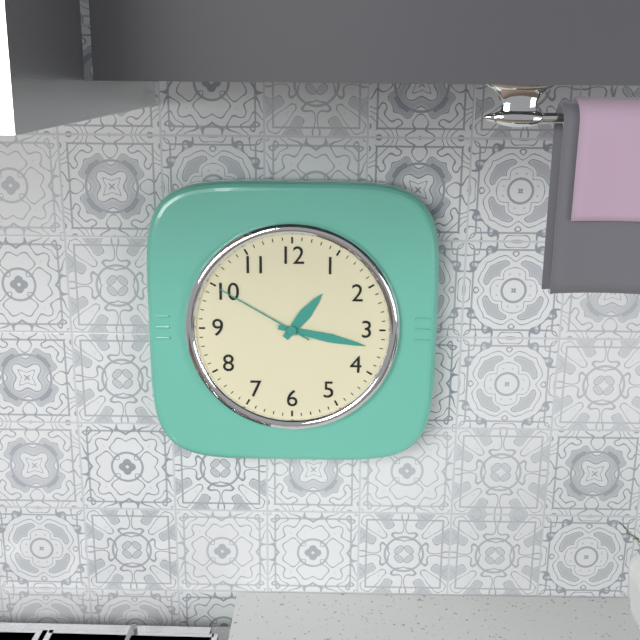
1:17:50
